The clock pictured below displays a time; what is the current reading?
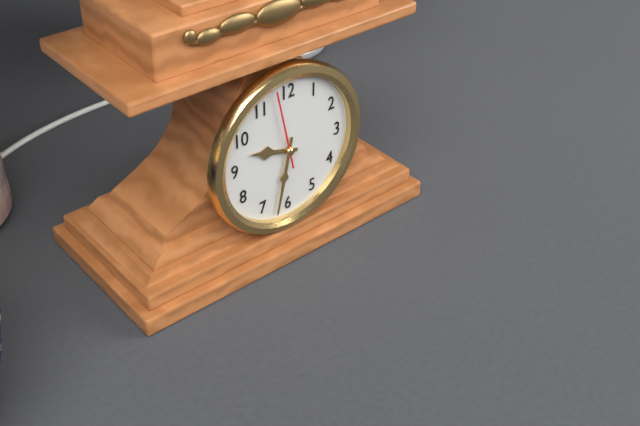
9:32:58
